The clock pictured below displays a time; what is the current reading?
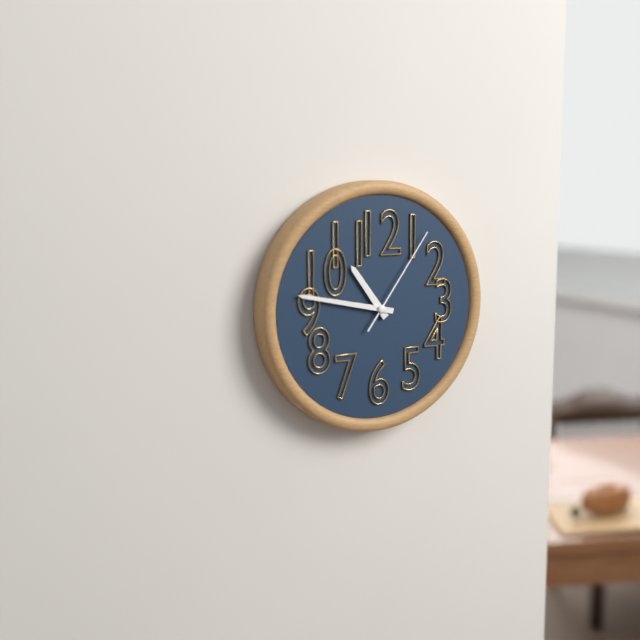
10:47:06
